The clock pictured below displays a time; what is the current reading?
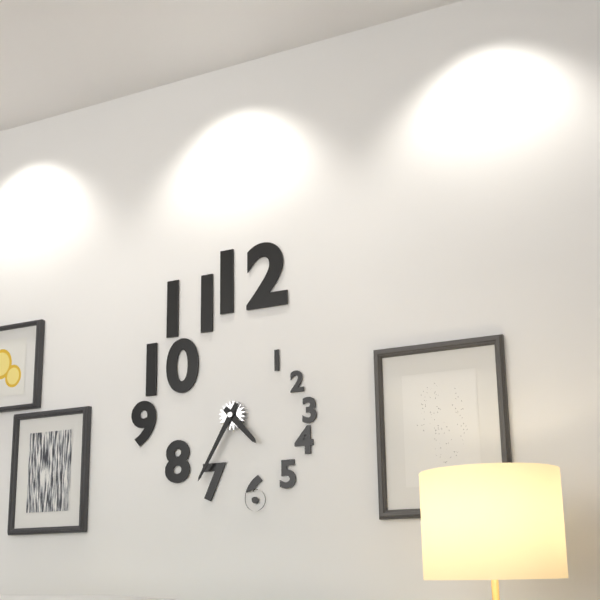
4:35
